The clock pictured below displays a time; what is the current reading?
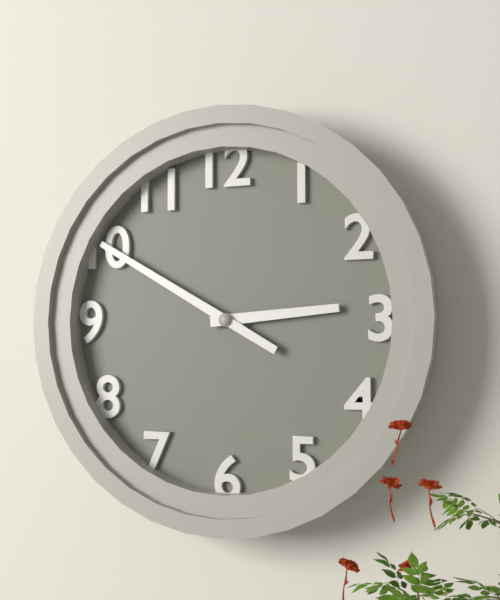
2:50
